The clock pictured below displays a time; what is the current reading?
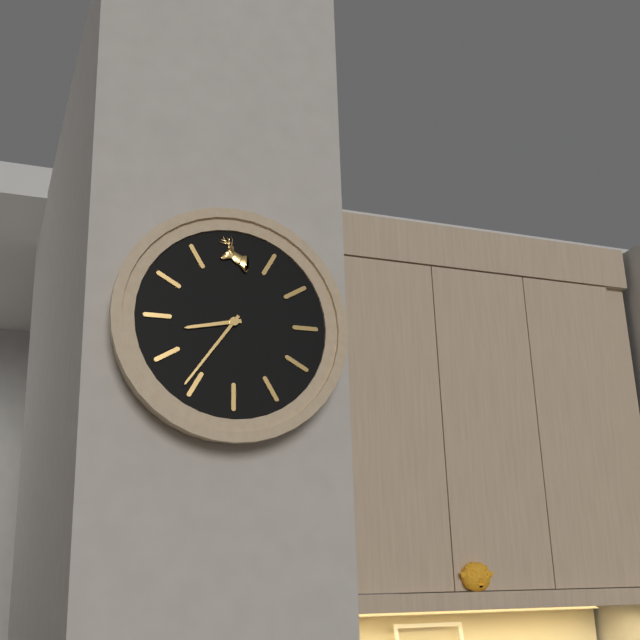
8:36
